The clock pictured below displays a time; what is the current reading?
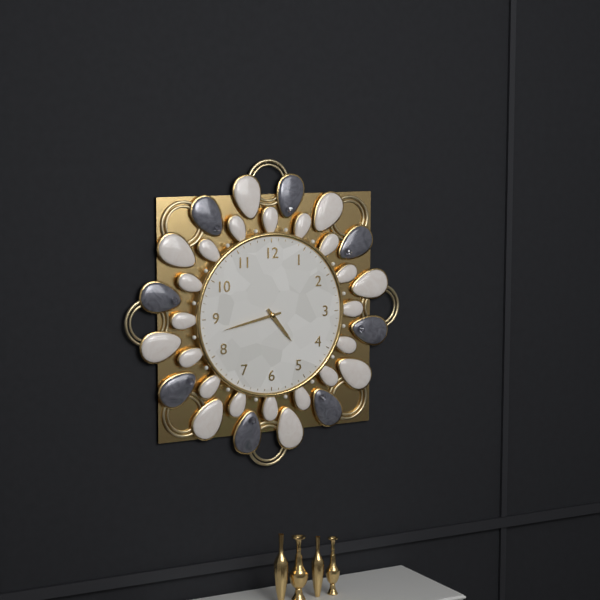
4:43
